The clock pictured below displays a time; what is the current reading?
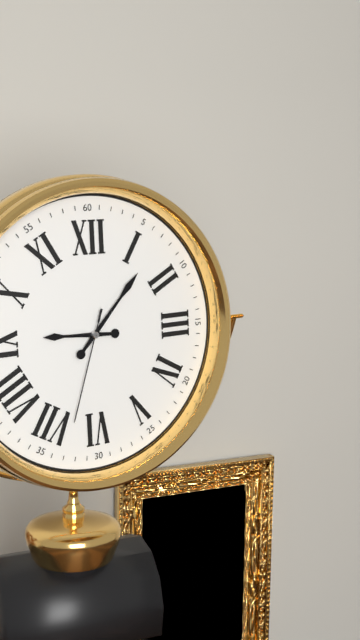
9:07:33
